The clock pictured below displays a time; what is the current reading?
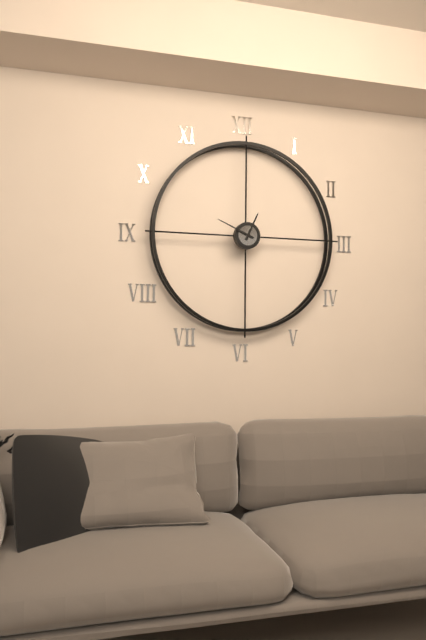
12:49
